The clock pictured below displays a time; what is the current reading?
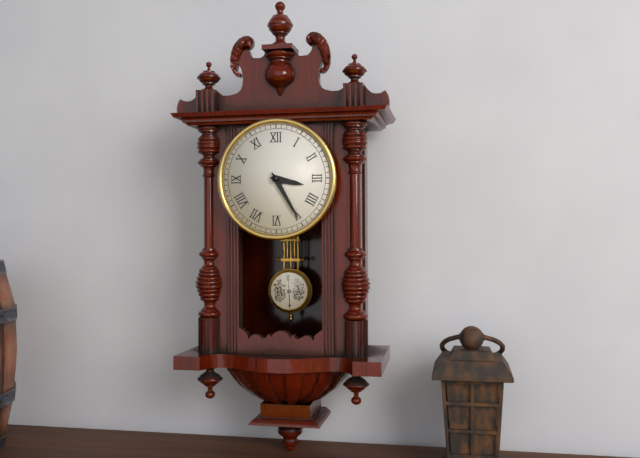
3:25
